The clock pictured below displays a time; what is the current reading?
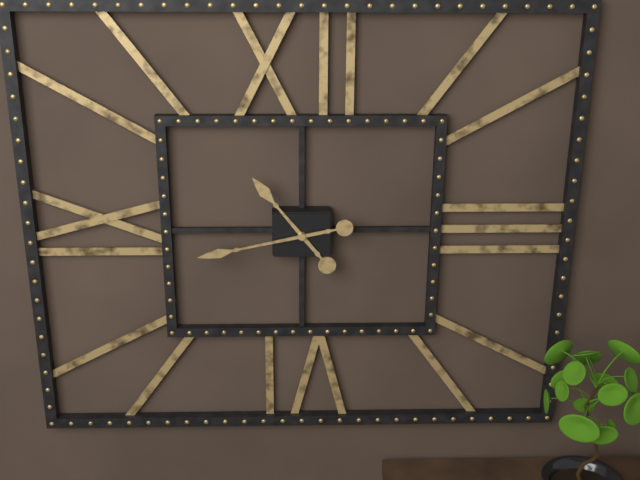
10:43
